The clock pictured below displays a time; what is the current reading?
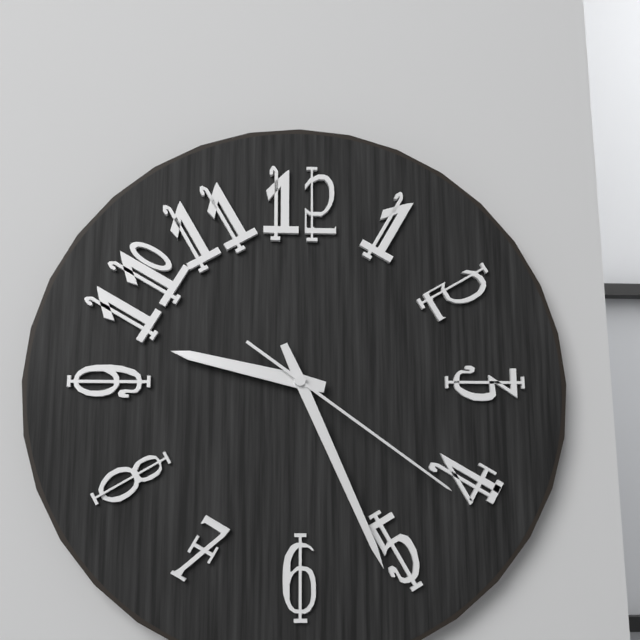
9:26:21
